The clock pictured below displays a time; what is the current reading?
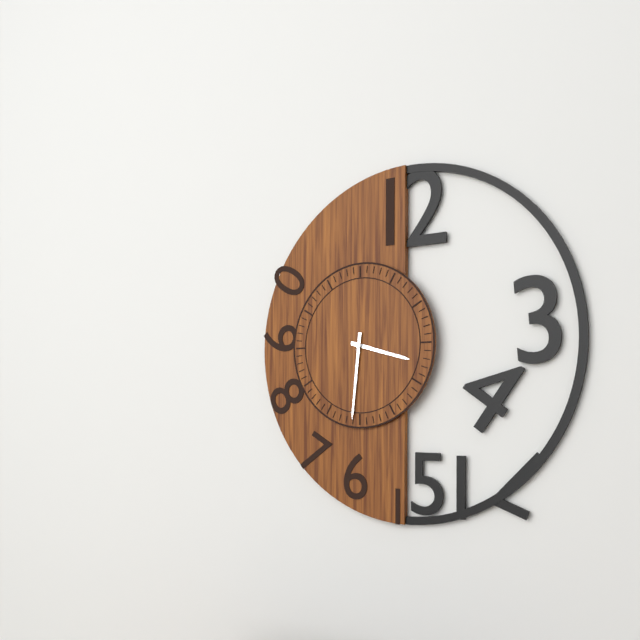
3:31
